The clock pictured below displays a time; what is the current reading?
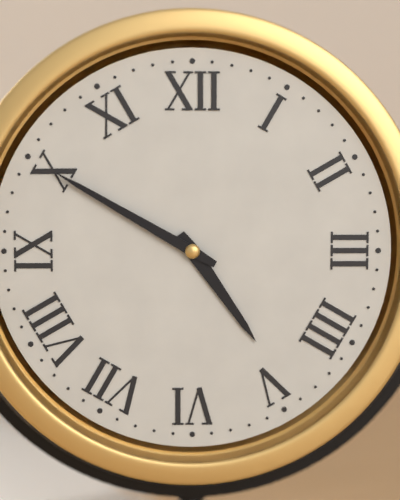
4:50
